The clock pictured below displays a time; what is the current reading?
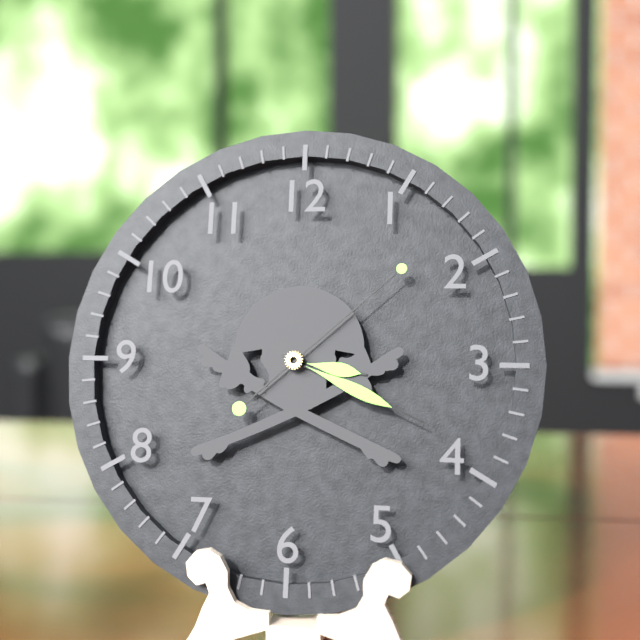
3:19:08
